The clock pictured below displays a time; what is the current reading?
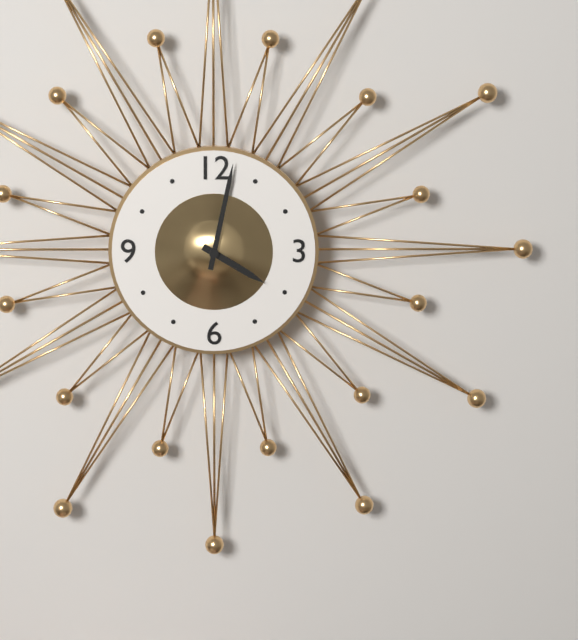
4:02
